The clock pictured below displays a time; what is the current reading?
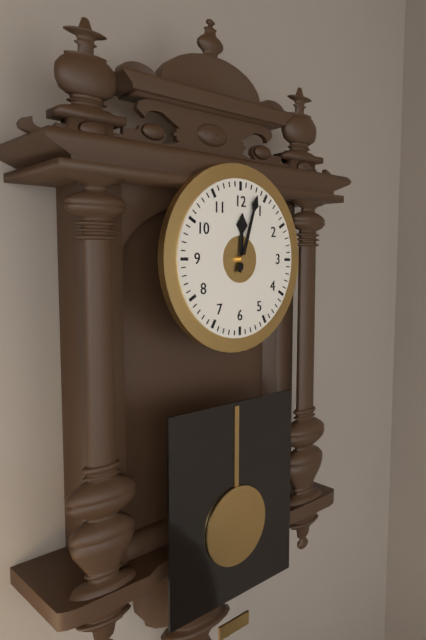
12:03
